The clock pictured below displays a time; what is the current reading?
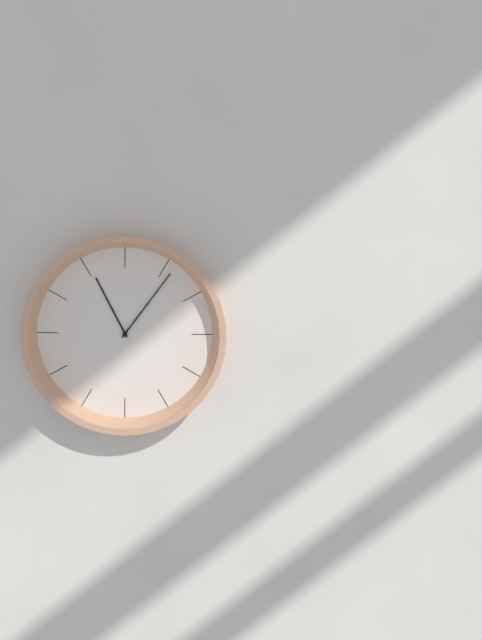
11:06
